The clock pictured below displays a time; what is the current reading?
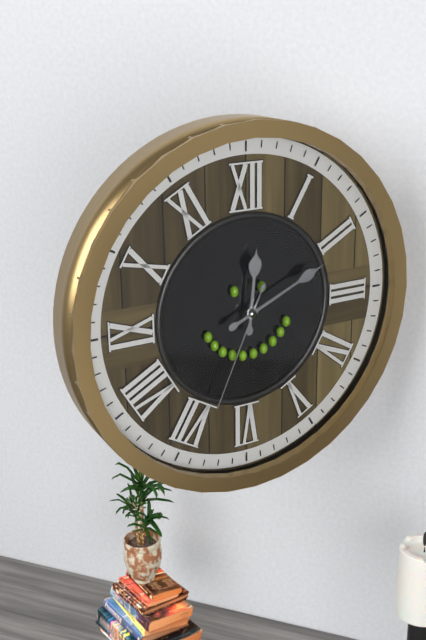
12:11:34
